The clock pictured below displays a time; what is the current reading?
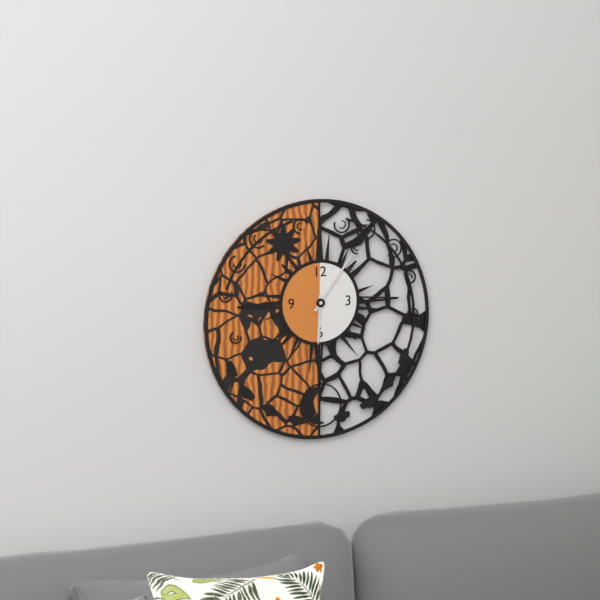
6:06
